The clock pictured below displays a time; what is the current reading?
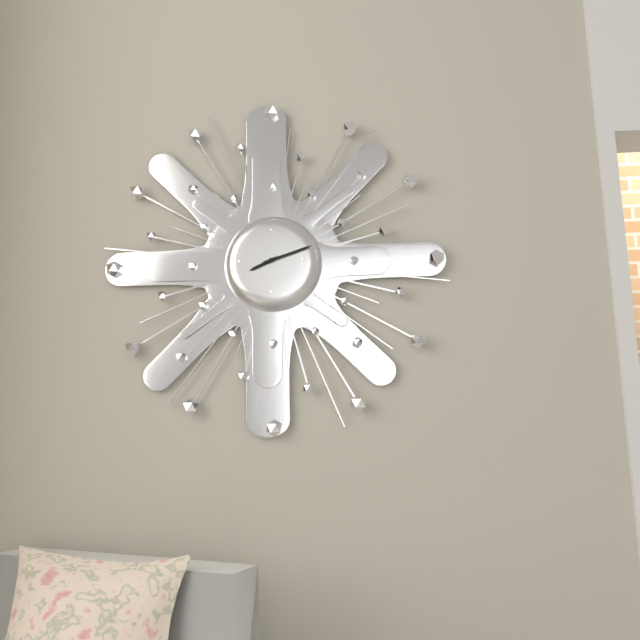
8:12
